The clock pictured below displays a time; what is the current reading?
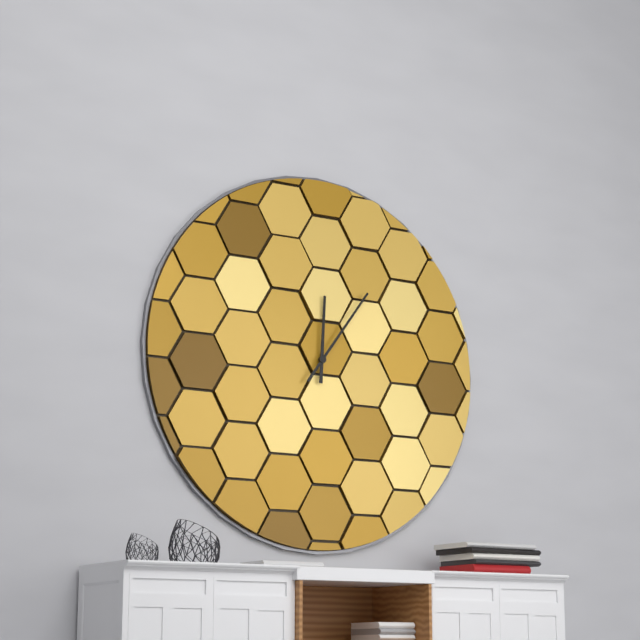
12:06
